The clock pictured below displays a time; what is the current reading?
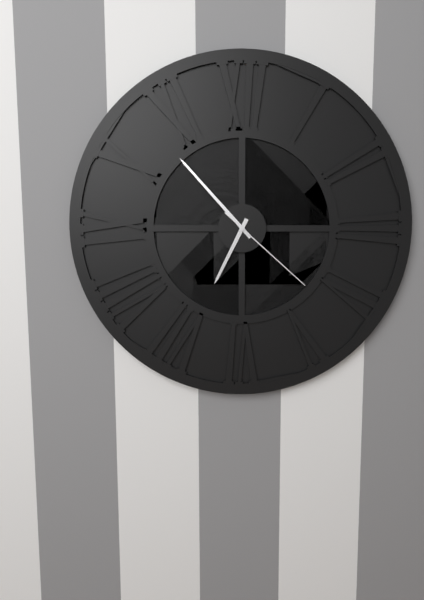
6:53:22
